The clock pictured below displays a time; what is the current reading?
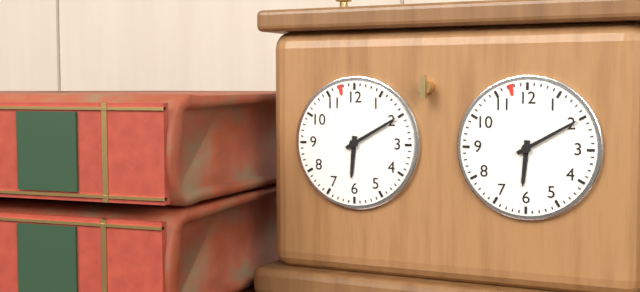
6:10
